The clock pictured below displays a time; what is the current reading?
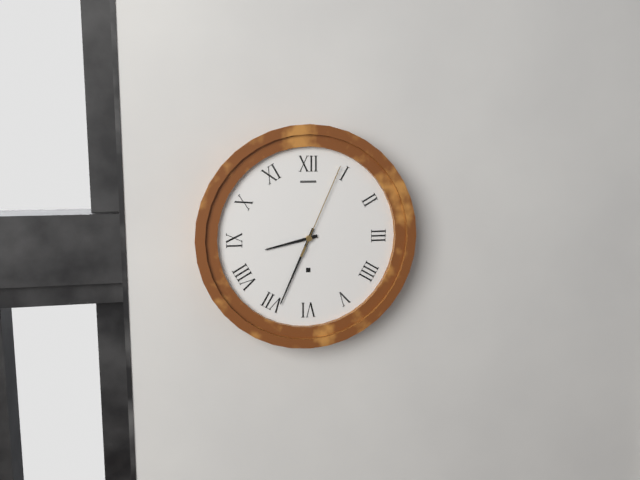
8:34:04
